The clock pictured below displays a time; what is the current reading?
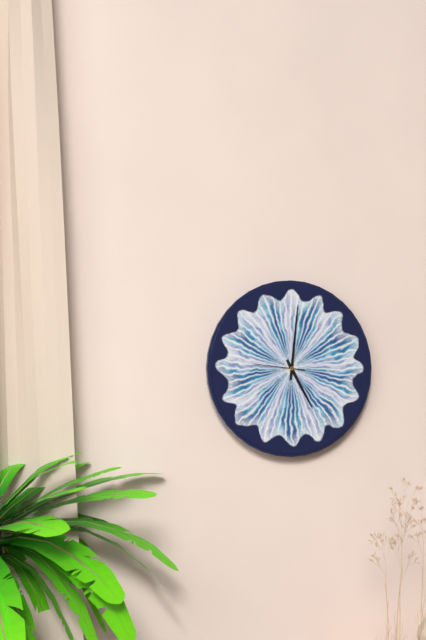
5:01
